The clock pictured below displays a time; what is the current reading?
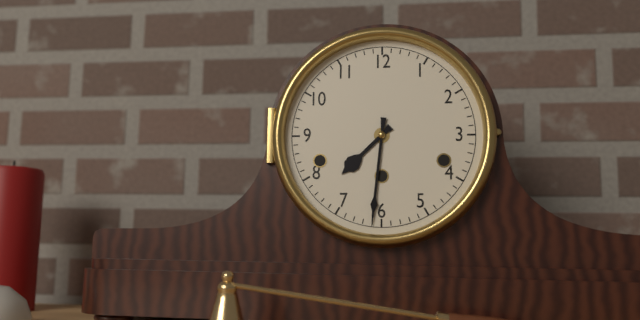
7:31
